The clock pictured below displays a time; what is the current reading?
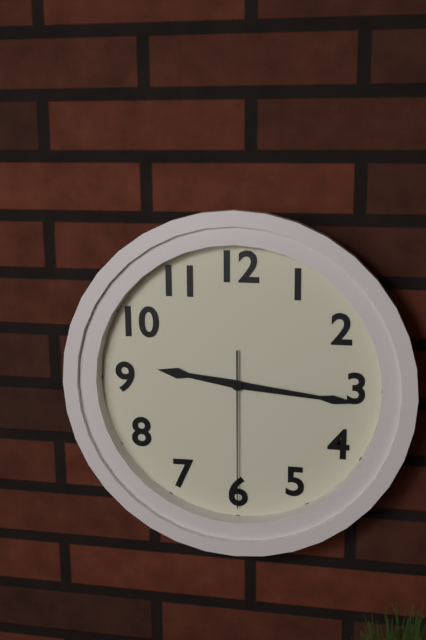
9:16:30
